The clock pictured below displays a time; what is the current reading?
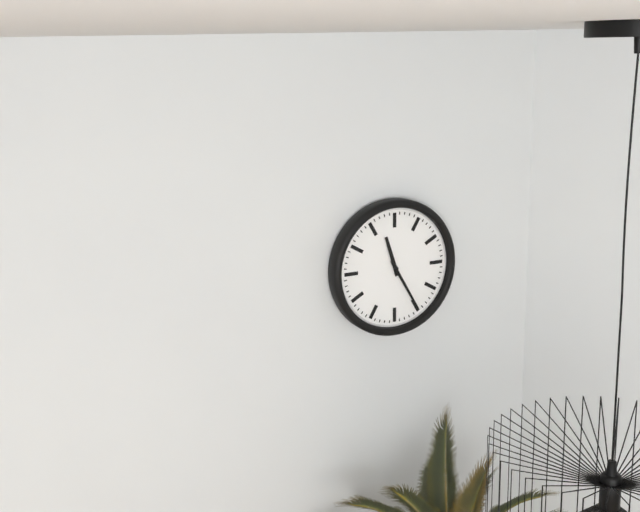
11:25
